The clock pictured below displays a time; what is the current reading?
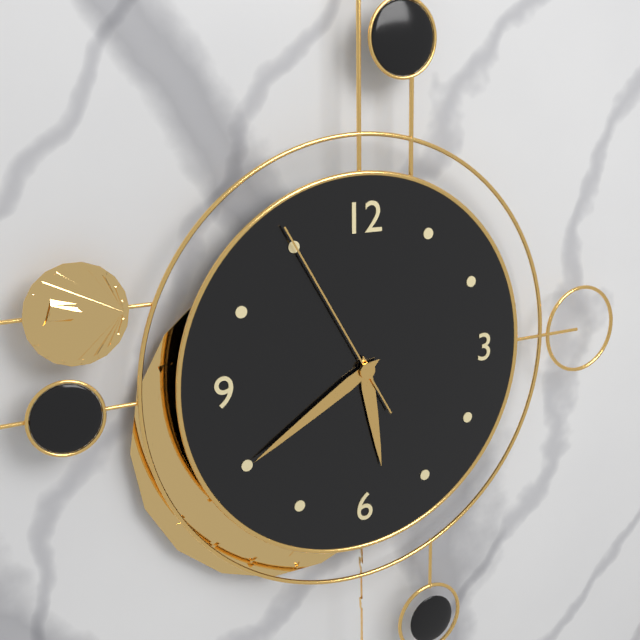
5:40:55
